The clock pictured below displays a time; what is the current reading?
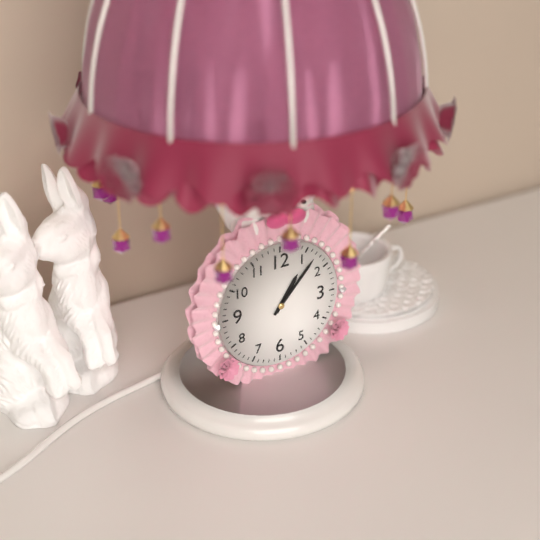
1:07
